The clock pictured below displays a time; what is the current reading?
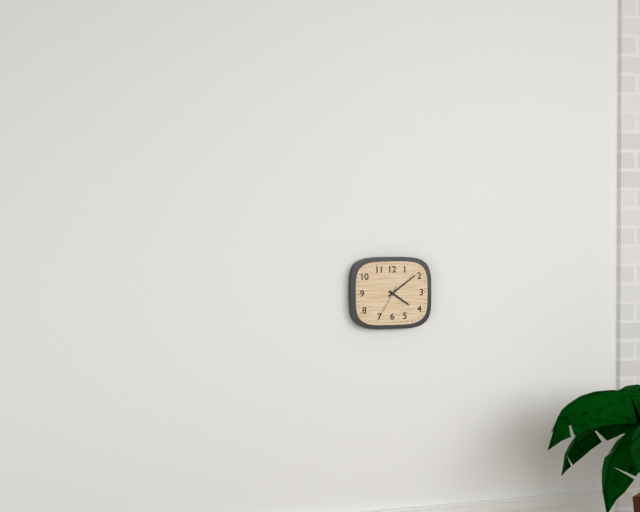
4:09
